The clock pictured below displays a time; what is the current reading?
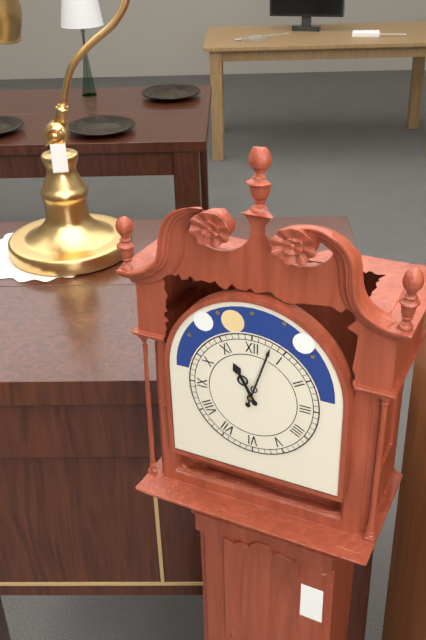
11:03
